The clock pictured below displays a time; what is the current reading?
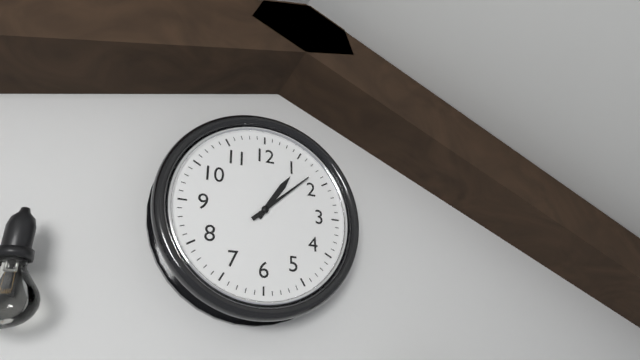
1:08
